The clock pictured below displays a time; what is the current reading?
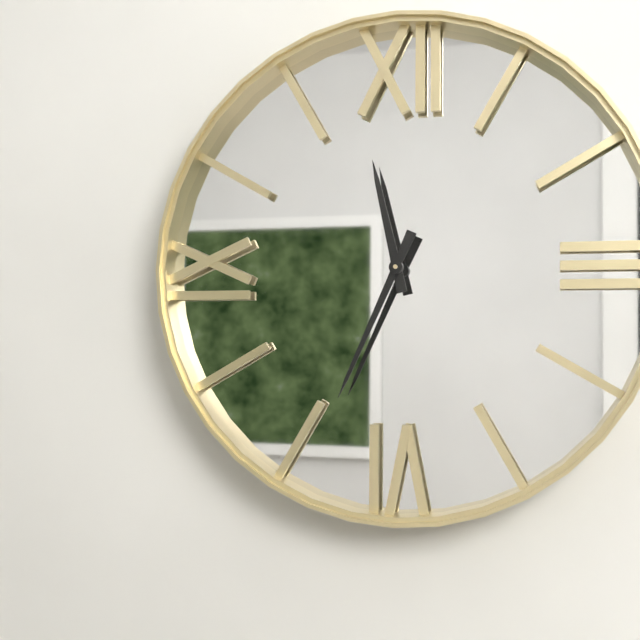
11:34
